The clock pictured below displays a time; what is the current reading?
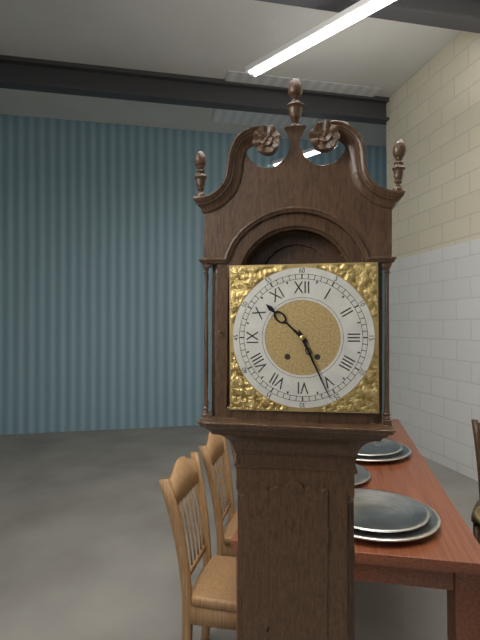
10:26
